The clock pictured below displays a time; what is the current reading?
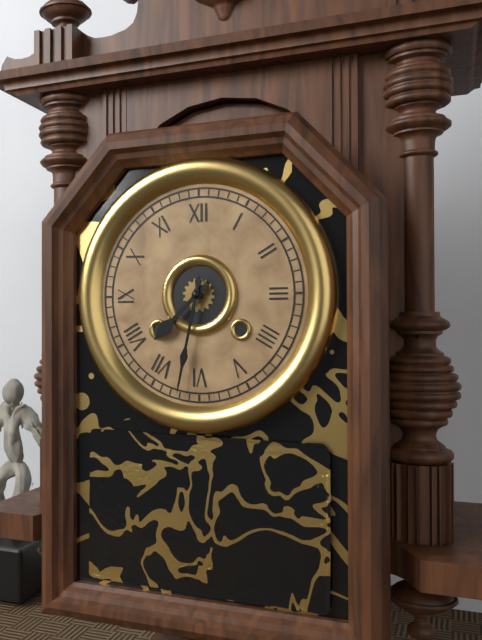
7:32
